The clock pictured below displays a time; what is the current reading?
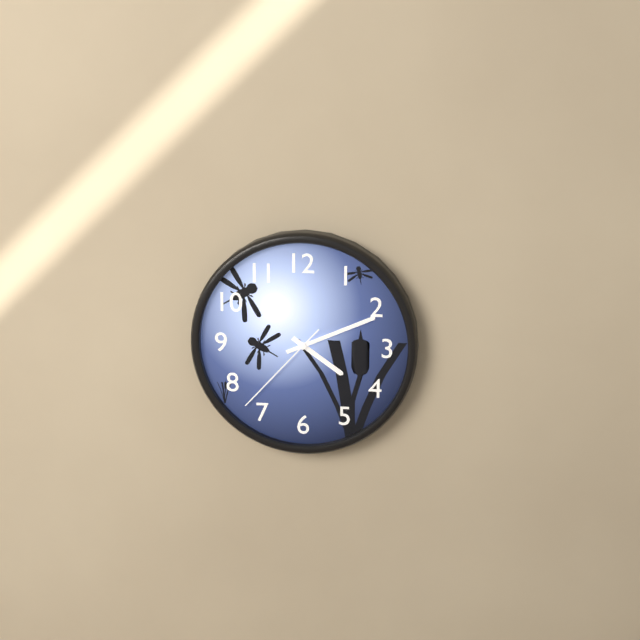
4:11:37
